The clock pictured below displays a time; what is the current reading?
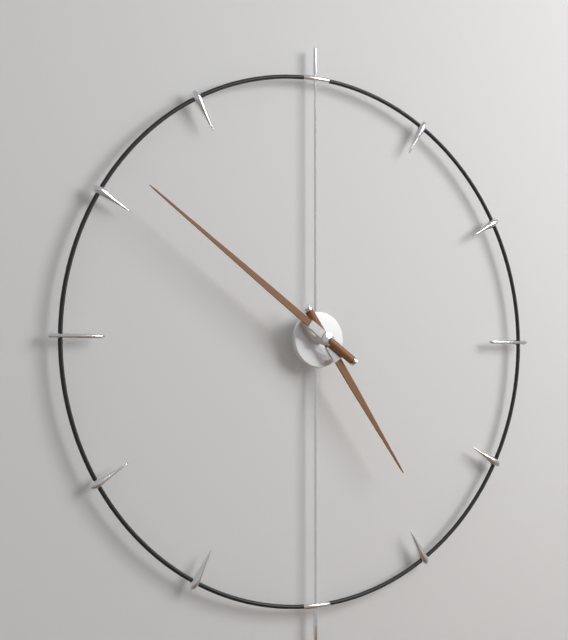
4:51
